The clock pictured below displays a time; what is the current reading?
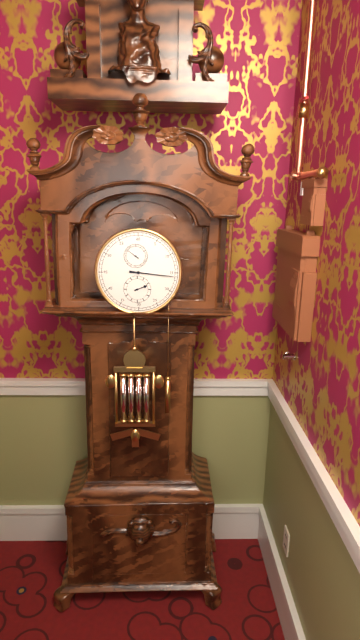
2:16
